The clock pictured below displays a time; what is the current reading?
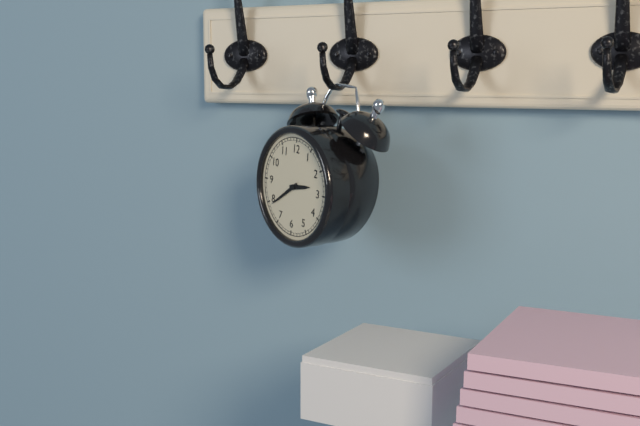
2:39
